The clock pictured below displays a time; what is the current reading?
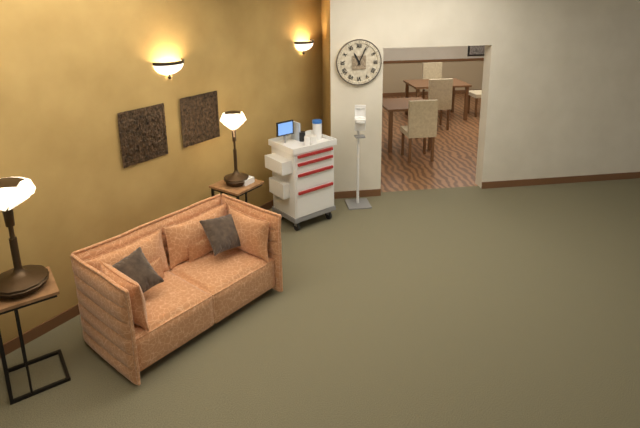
11:04
